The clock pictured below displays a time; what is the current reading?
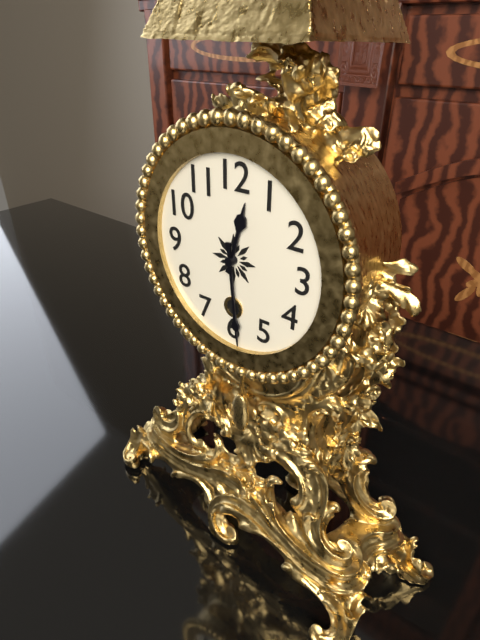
12:29
